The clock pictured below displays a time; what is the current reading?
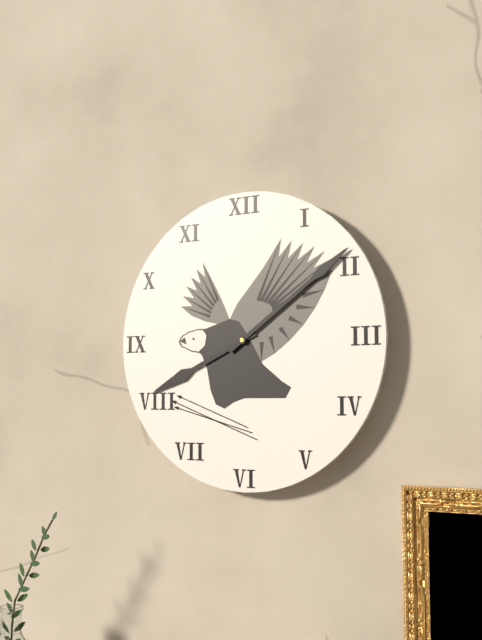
8:09
